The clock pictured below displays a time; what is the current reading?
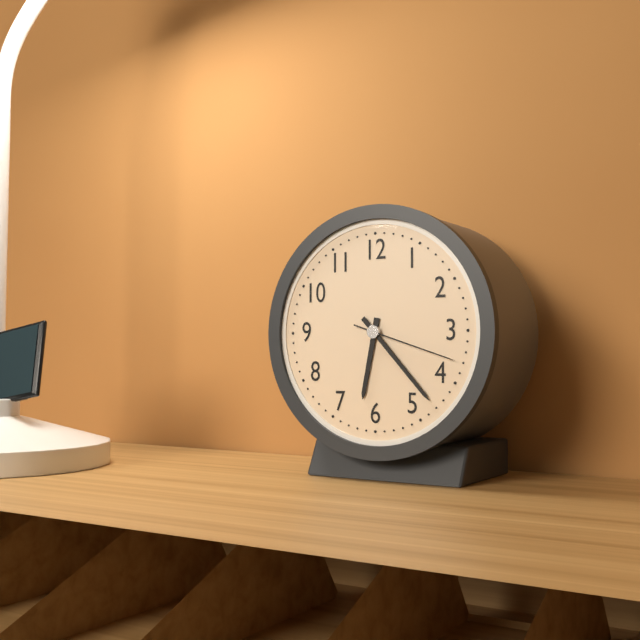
6:23:18
